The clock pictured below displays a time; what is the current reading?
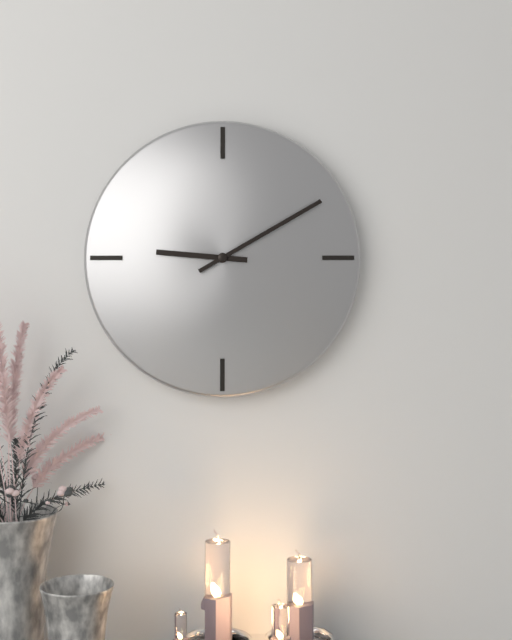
9:10
